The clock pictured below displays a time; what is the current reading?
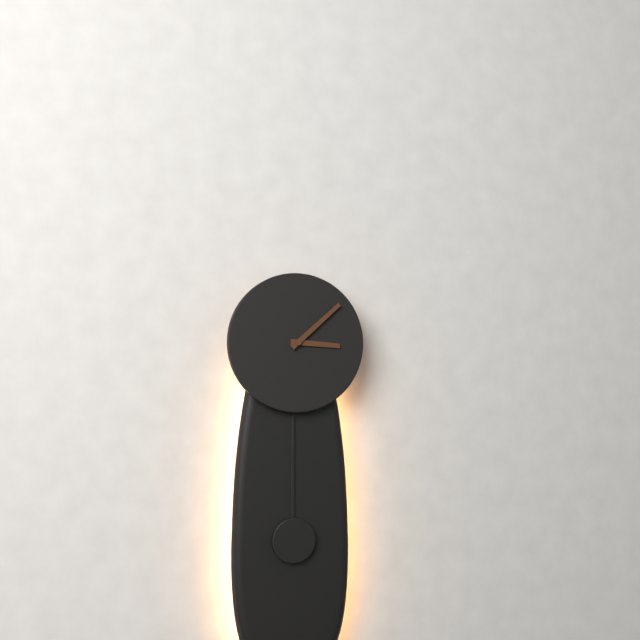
3:08
